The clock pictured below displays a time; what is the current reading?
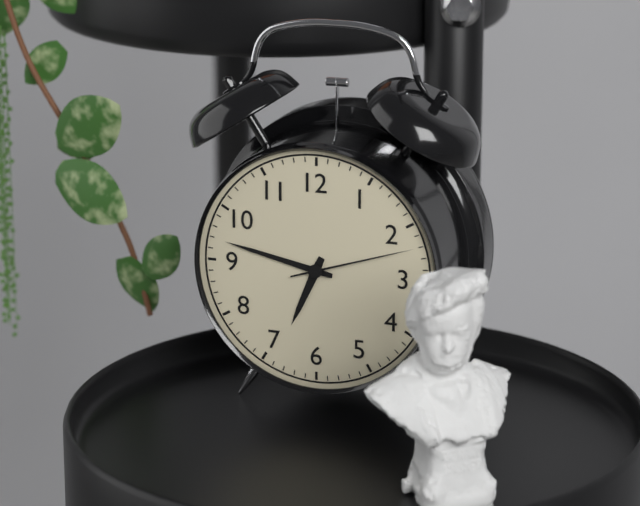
6:47:12
